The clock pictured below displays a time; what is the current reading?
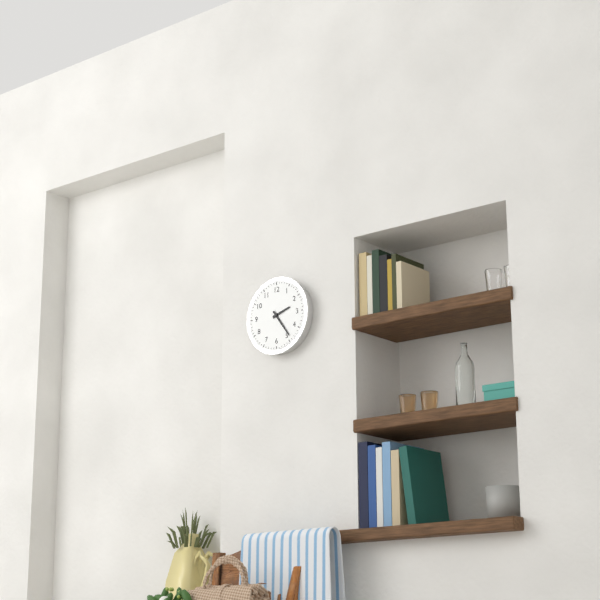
2:24
